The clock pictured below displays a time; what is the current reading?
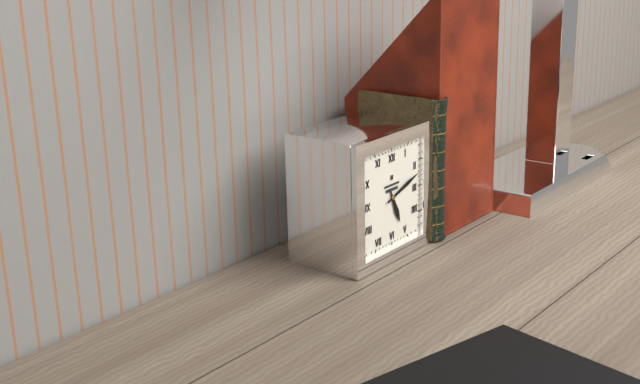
5:12
